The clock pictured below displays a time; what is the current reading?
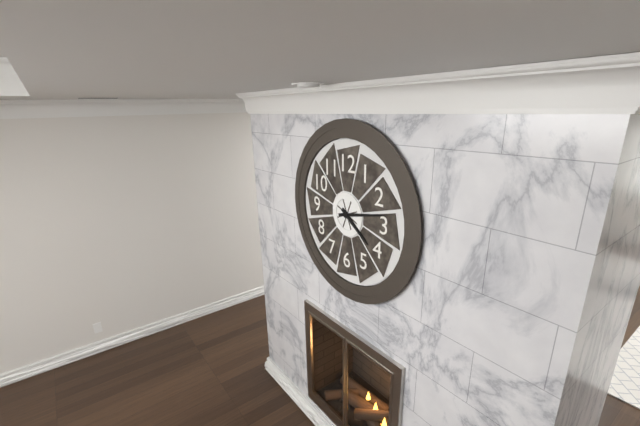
4:13
